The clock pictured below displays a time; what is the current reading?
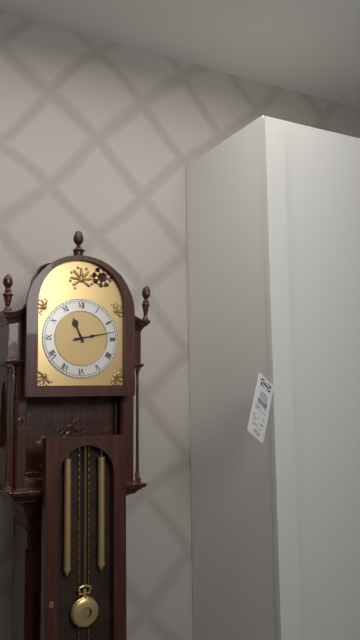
11:13
